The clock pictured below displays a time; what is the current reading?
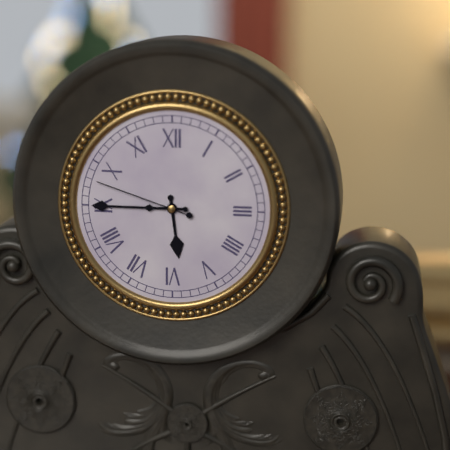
5:45:48
